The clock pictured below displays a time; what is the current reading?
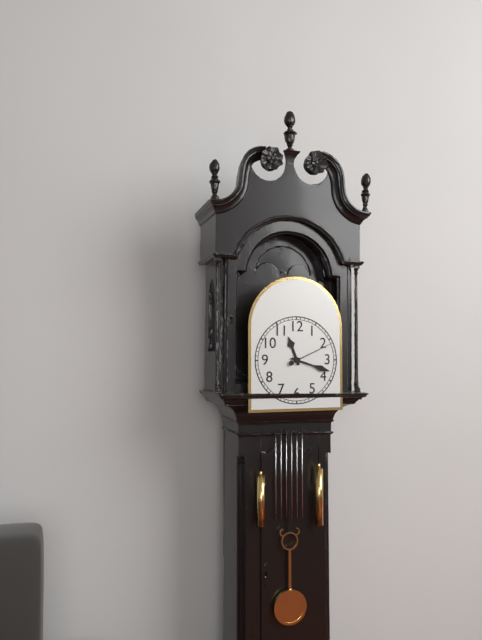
11:18
